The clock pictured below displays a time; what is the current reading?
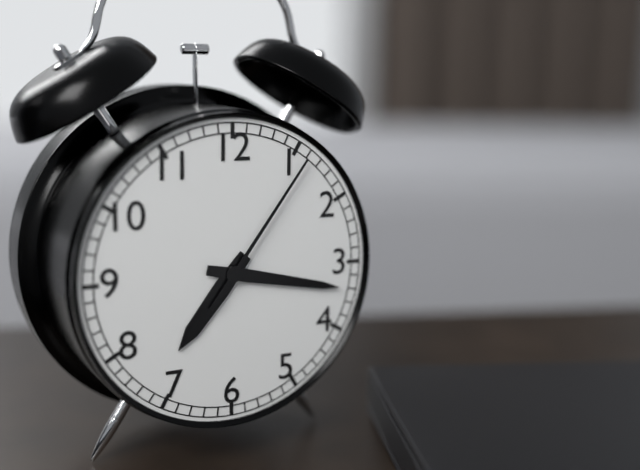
7:17:06
